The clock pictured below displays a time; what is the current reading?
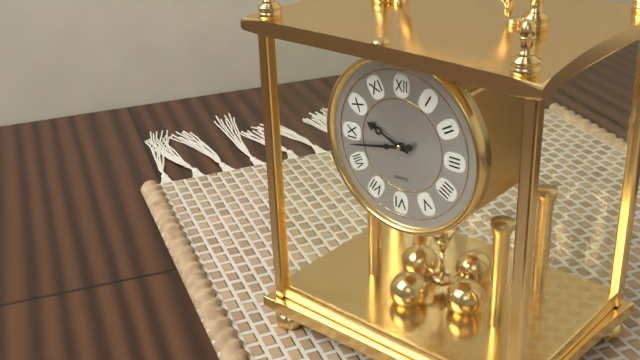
9:43
